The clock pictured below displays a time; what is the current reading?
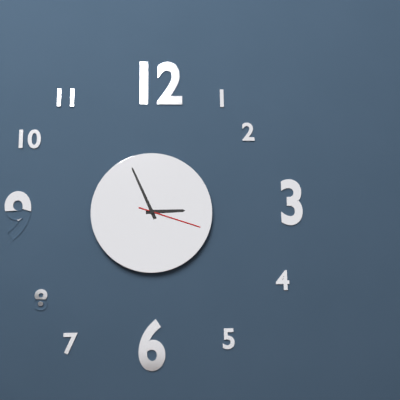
2:56:18
